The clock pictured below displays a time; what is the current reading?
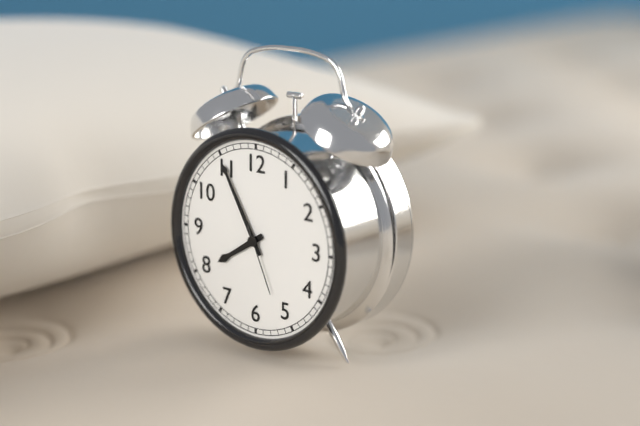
7:55:26
